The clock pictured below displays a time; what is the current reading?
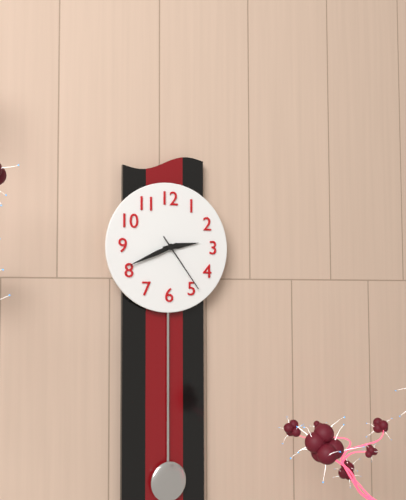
2:41:24
